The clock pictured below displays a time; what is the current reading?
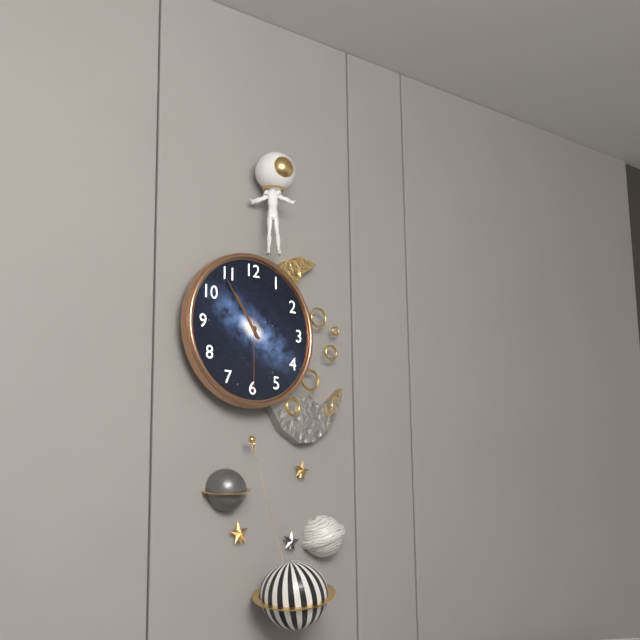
10:54:30
